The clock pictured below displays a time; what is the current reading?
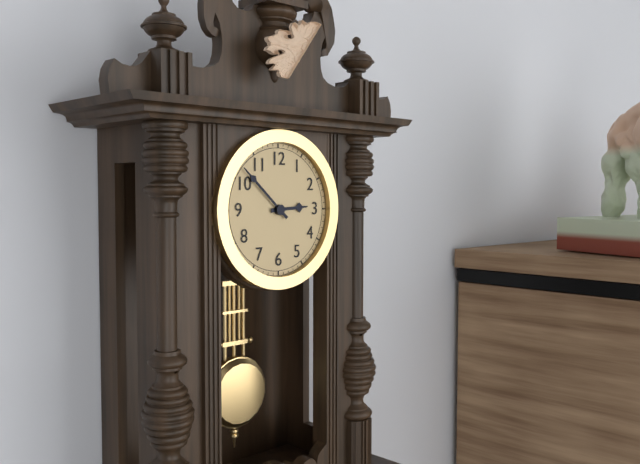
2:52
